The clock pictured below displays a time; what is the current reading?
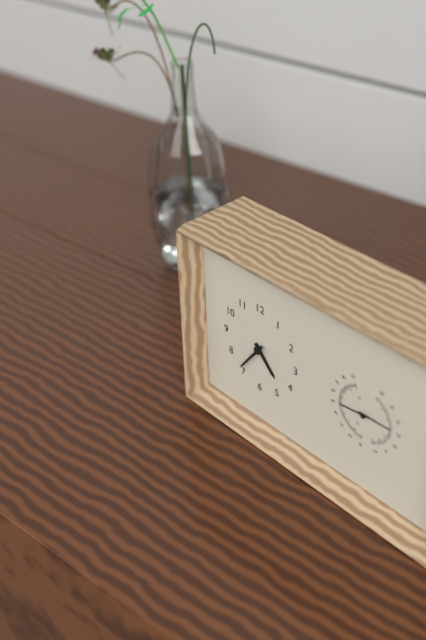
4:36
